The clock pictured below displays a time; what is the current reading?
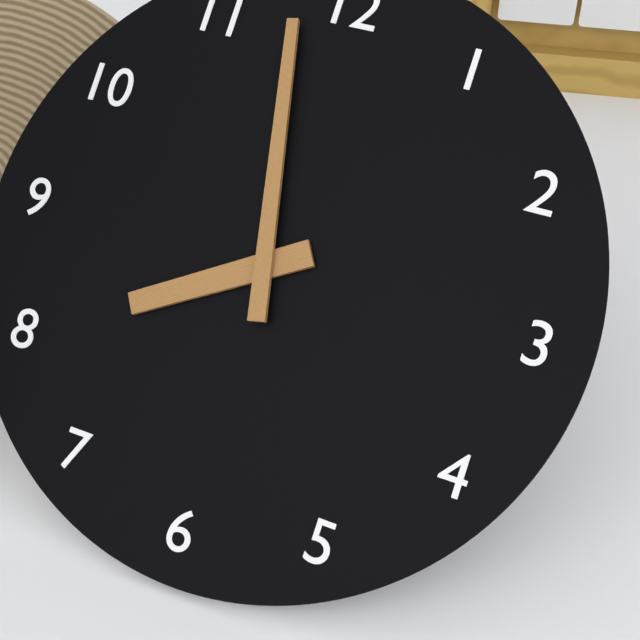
7:58
